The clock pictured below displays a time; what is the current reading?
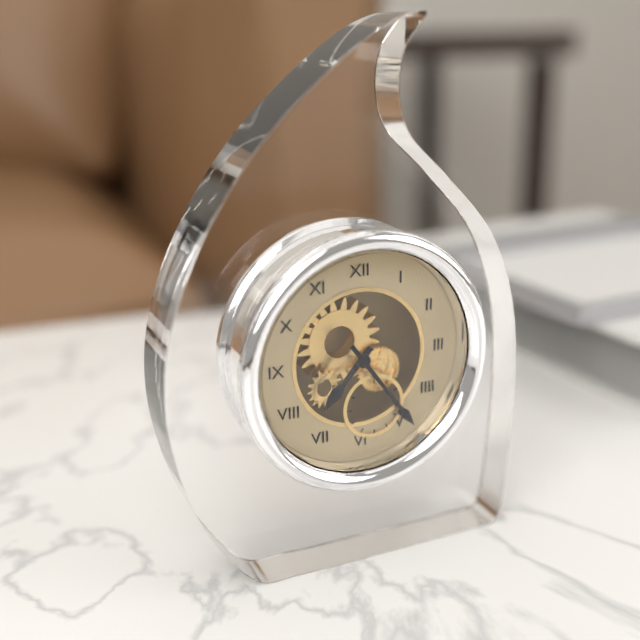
7:24
